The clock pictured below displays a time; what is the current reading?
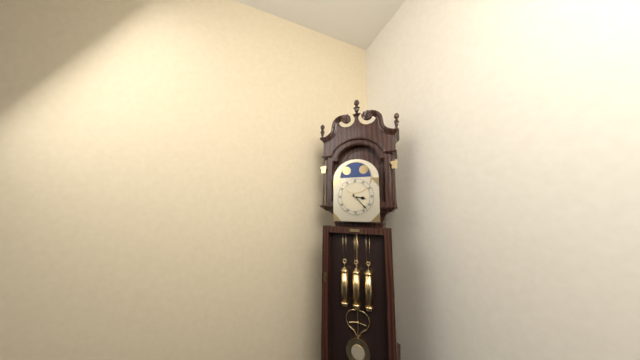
3:23
